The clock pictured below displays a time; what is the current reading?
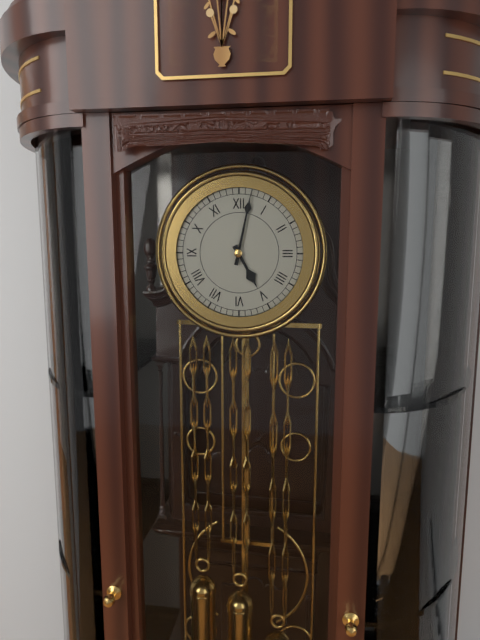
5:02
